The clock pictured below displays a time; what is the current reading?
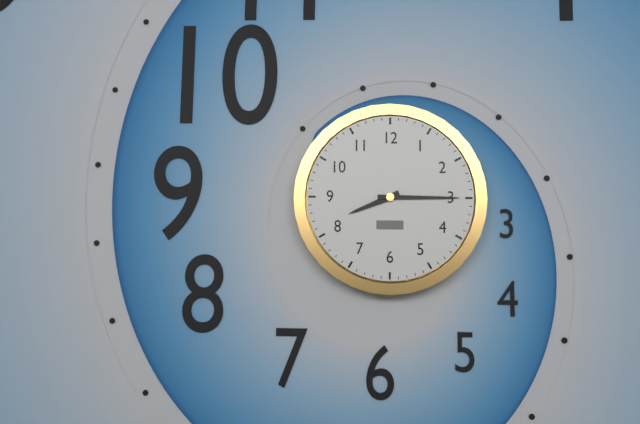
8:15
